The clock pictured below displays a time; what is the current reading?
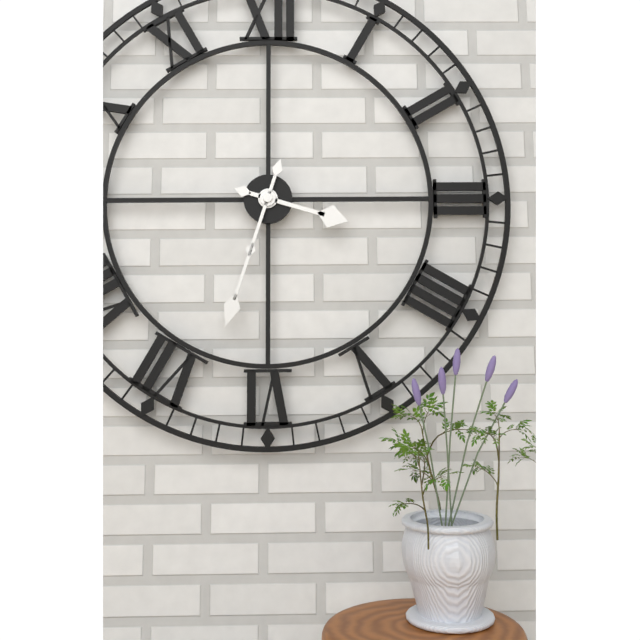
3:33
